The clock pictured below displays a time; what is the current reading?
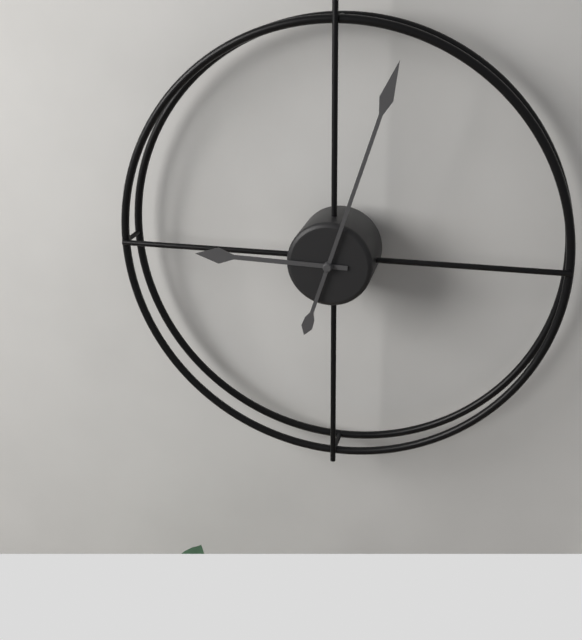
9:03
